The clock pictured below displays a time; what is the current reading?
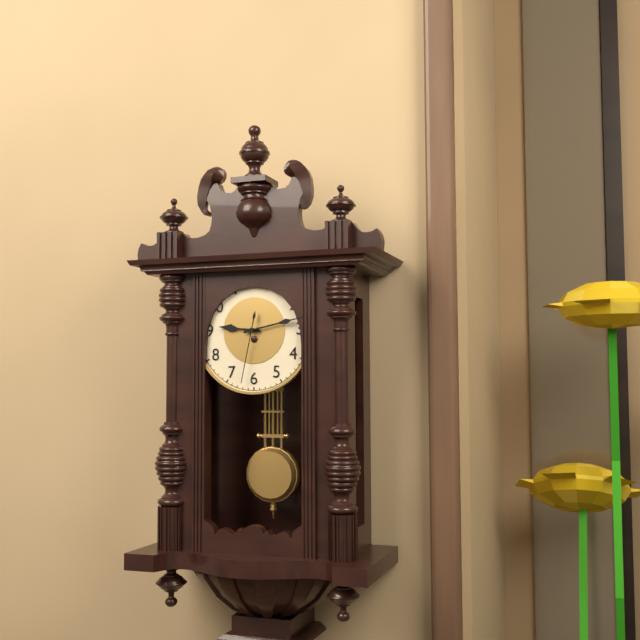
9:13:32
